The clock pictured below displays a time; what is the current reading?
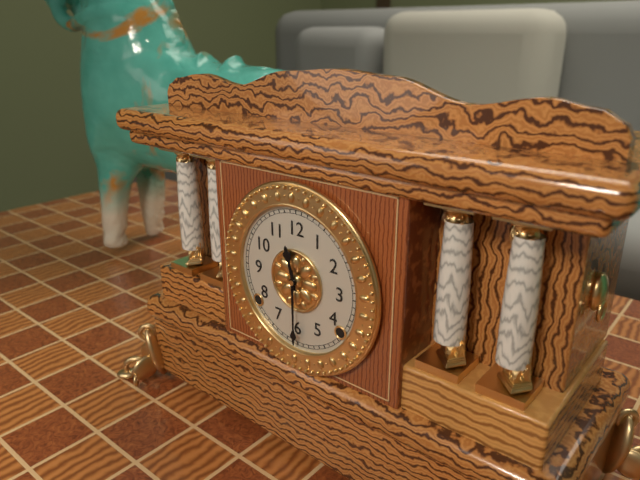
11:30
